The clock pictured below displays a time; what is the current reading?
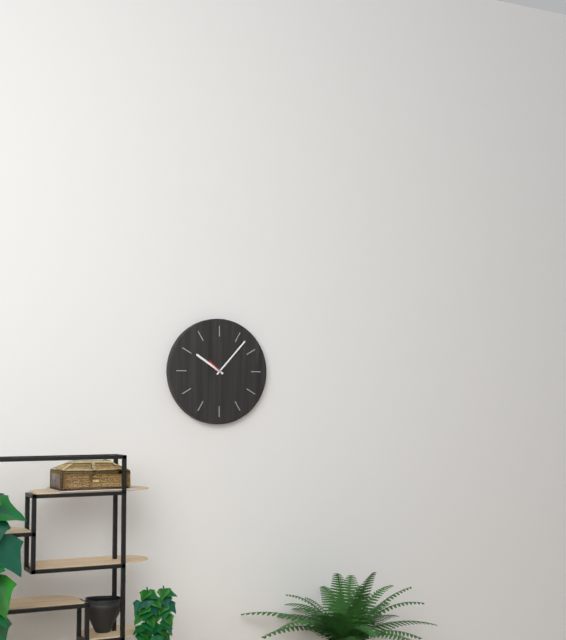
10:07
